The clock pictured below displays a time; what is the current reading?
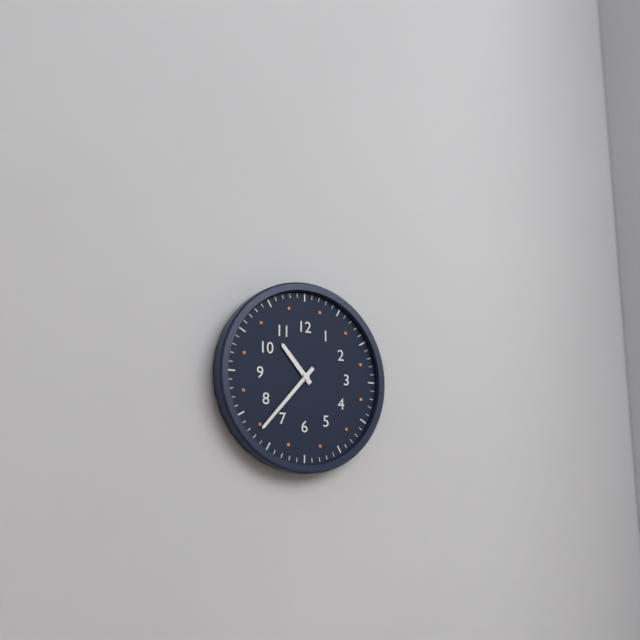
10:37
